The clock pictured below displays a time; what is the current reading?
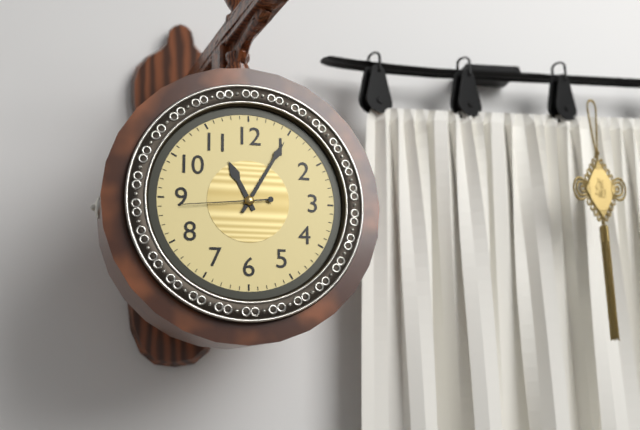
11:05:44
